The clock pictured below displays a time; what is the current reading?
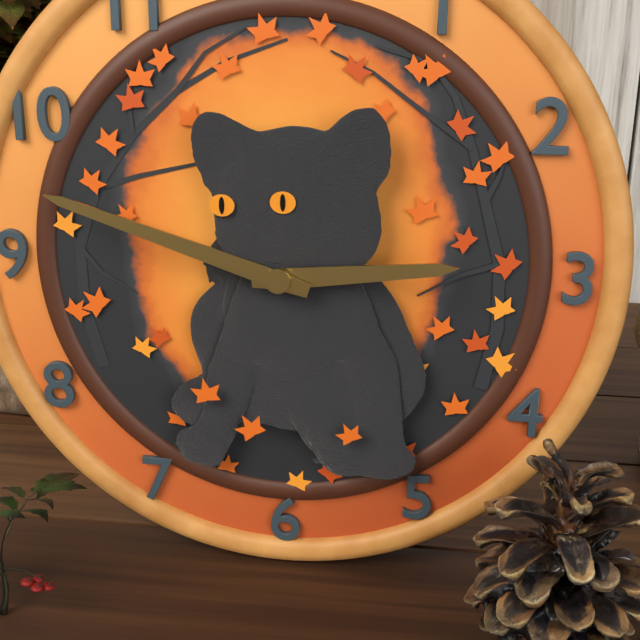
2:48
